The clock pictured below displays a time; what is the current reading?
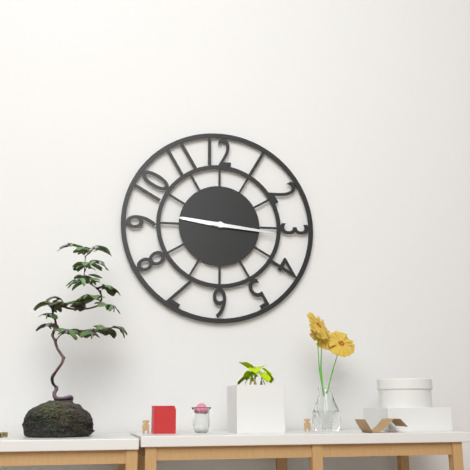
9:16
